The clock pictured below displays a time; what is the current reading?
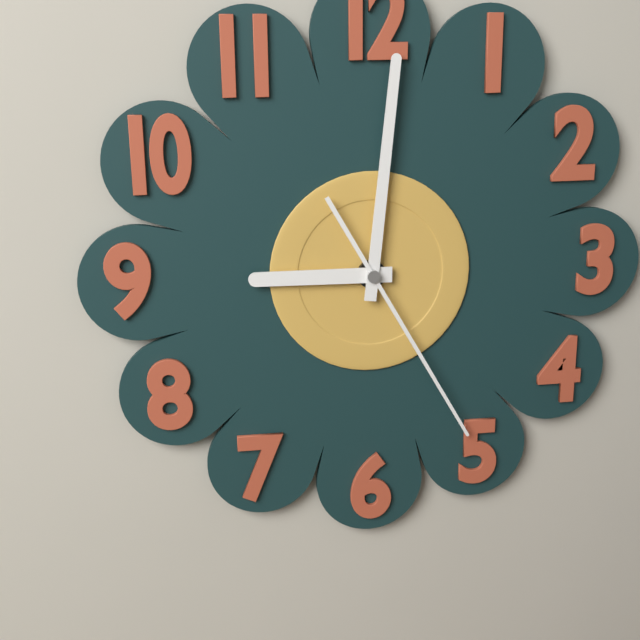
9:01:25
